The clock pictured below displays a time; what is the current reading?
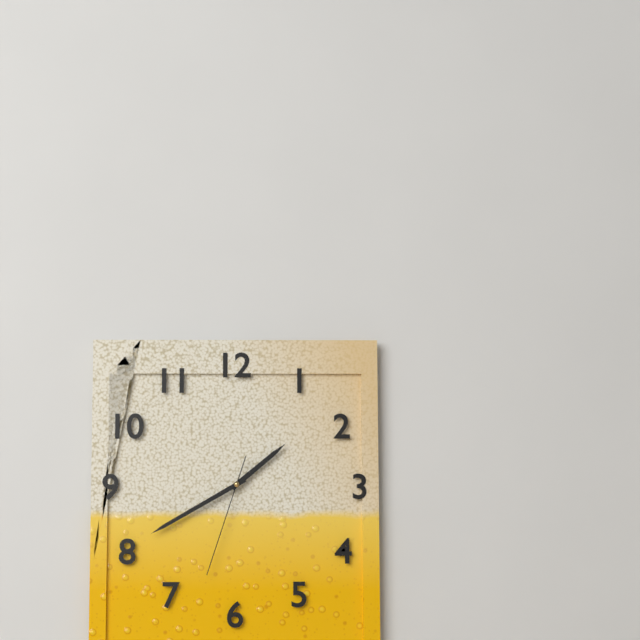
1:40:33
